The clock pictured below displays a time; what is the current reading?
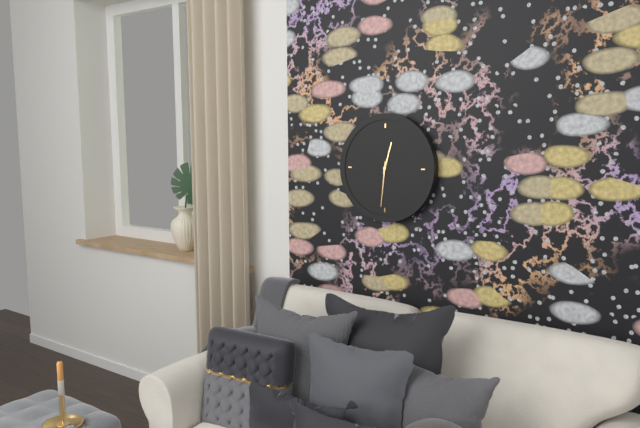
12:31
